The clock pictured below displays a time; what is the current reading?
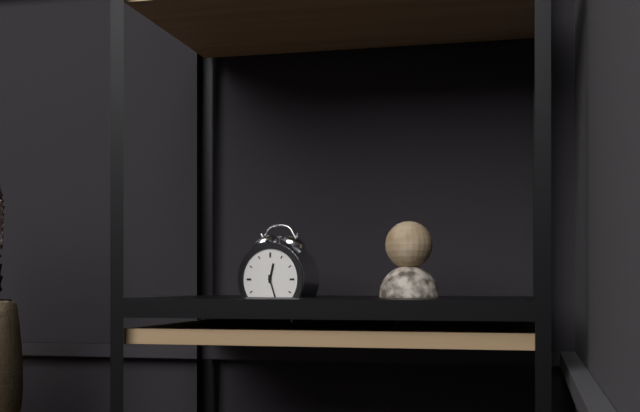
12:27
